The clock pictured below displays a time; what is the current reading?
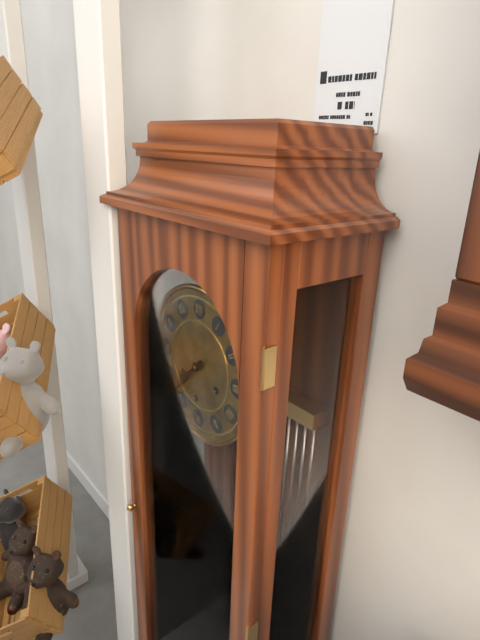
7:37
